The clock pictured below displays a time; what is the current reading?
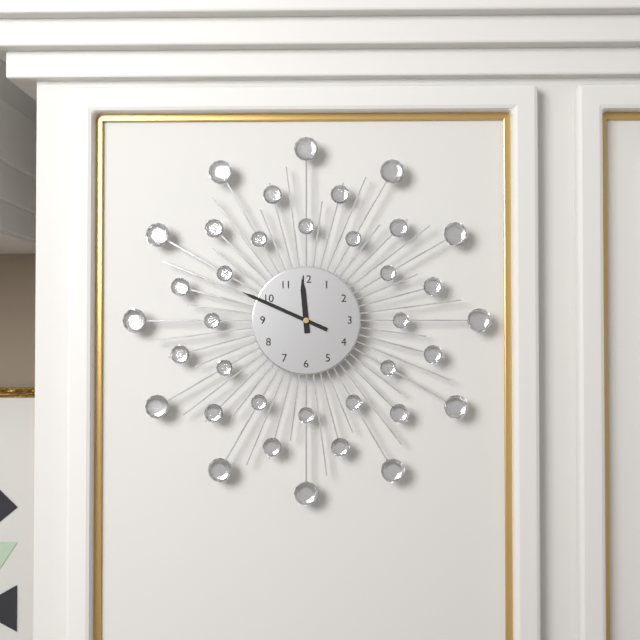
11:49
